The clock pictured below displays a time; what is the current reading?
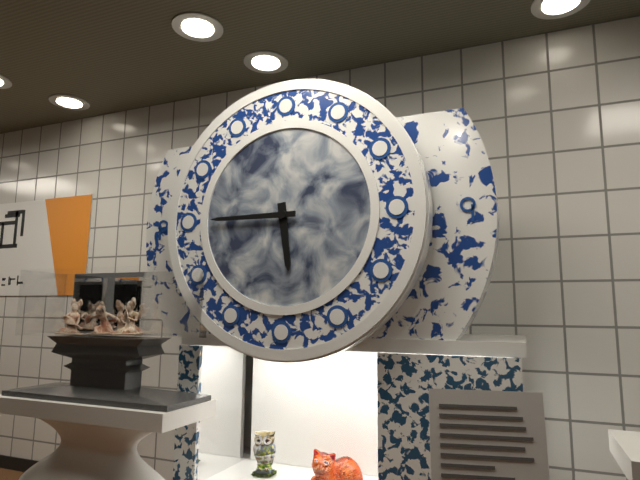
5:45
